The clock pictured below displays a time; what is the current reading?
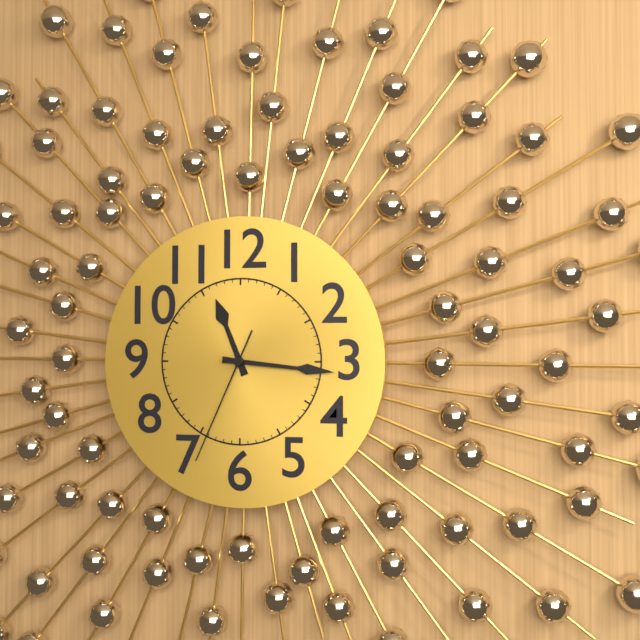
11:16:34
